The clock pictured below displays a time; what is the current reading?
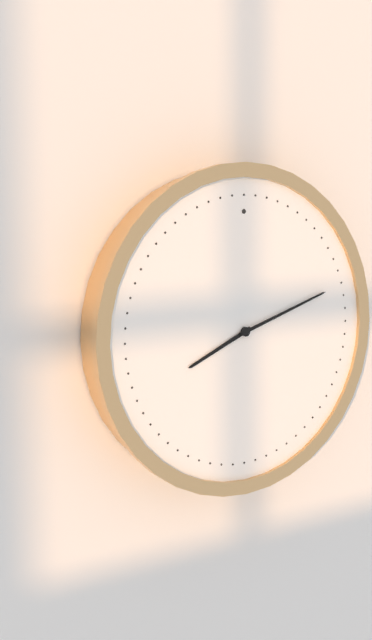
8:12
